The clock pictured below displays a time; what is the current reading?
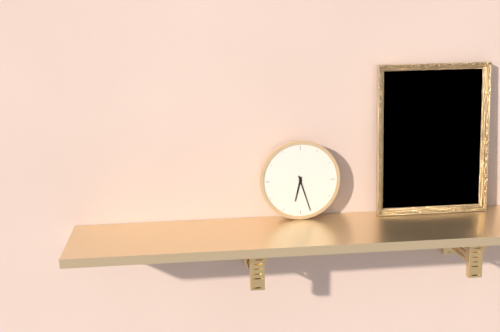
6:27
